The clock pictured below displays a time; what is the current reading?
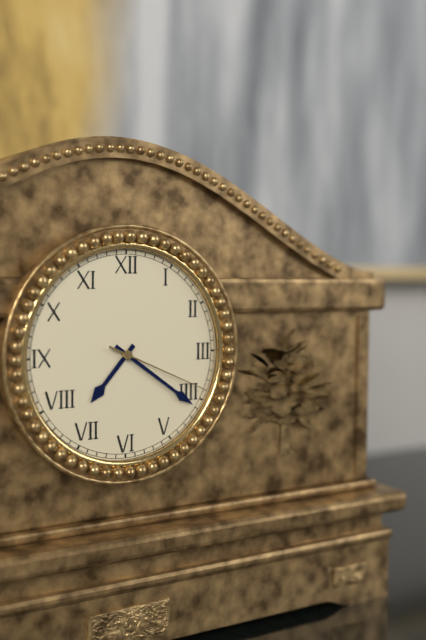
7:21:19
